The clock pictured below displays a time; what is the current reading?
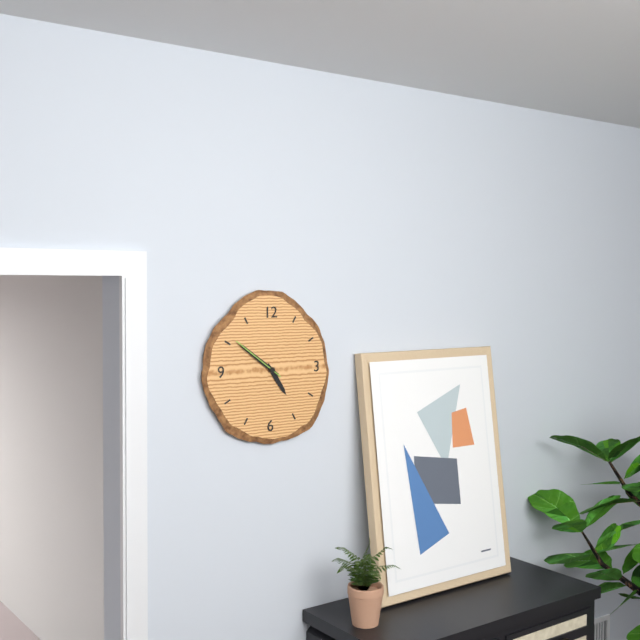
4:51:51
